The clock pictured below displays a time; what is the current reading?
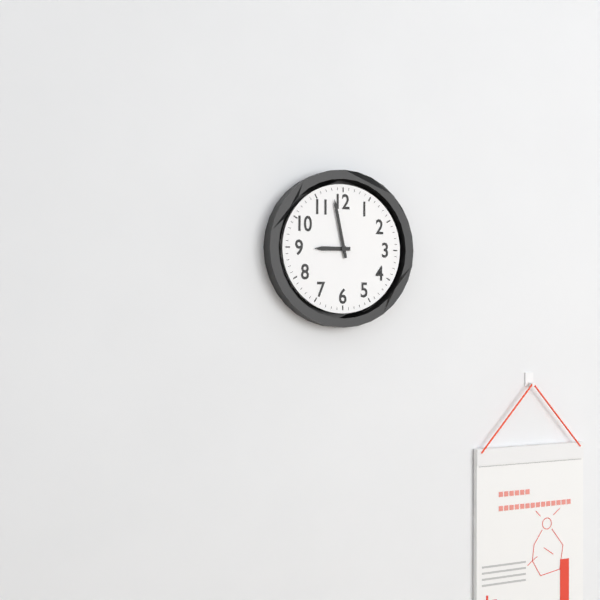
8:58
